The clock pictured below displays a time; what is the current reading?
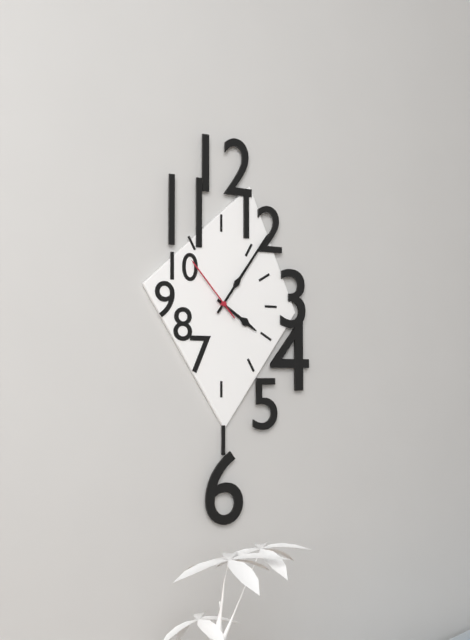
4:06:53
